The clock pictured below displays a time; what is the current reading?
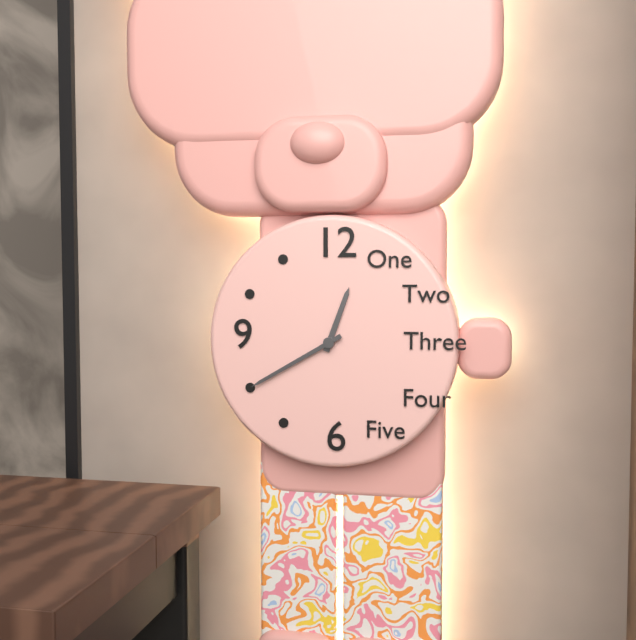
12:40
